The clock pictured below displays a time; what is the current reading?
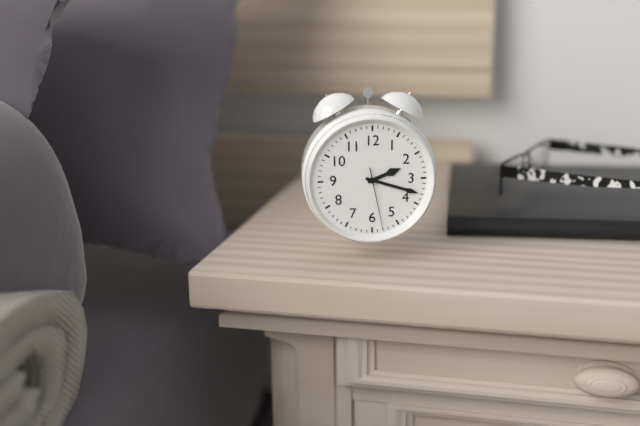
2:18:28
